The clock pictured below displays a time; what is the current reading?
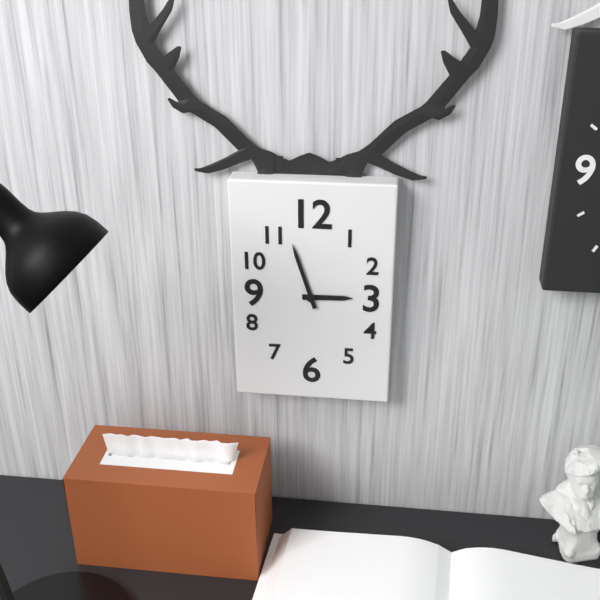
2:57
